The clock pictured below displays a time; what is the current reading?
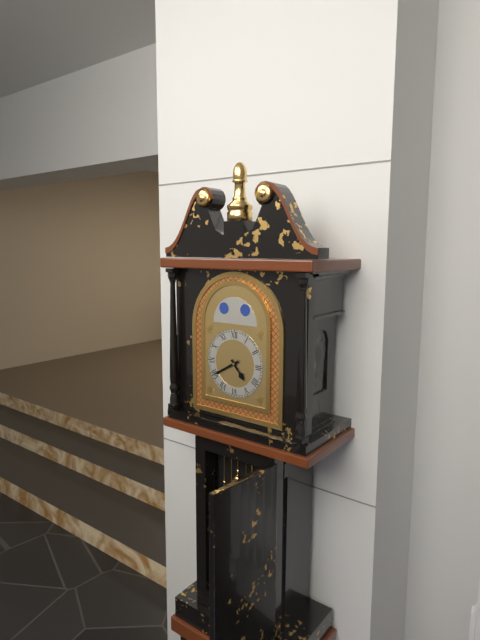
4:40
